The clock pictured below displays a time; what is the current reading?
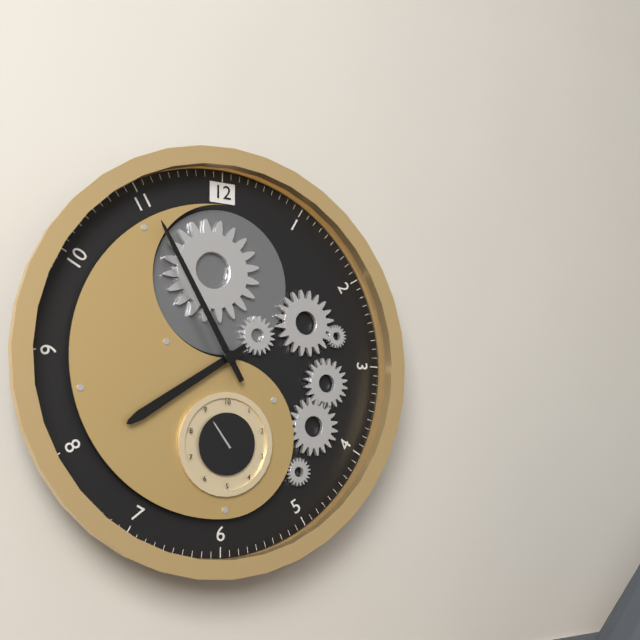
7:55
